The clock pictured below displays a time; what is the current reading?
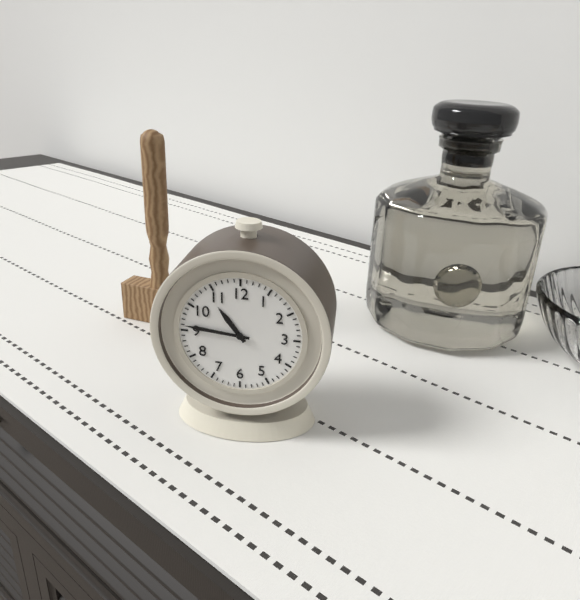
10:46
